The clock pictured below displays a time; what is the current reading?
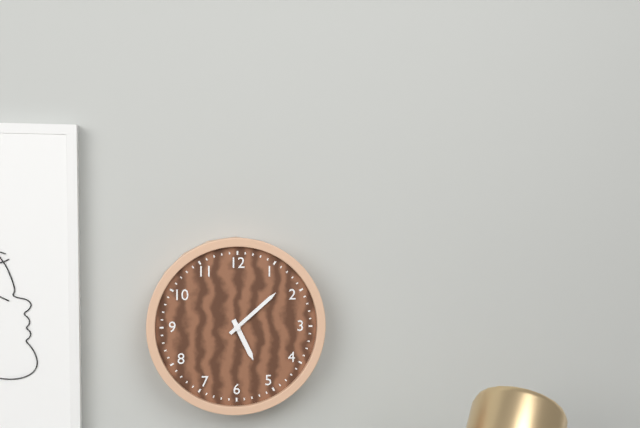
5:08
